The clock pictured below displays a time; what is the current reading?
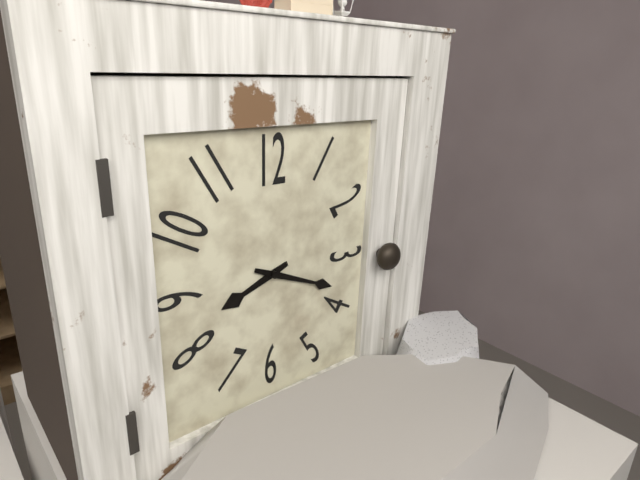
8:19
